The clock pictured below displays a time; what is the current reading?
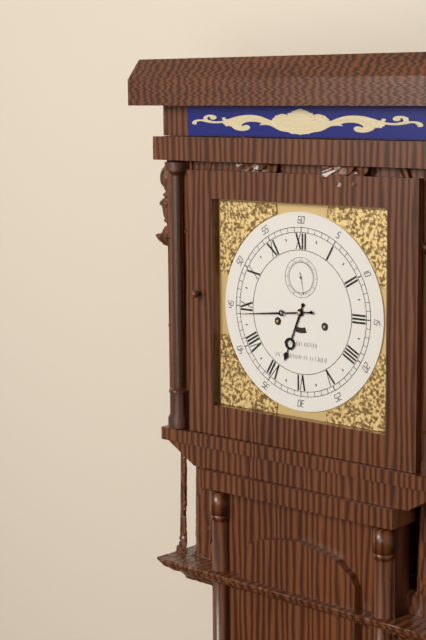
6:44
